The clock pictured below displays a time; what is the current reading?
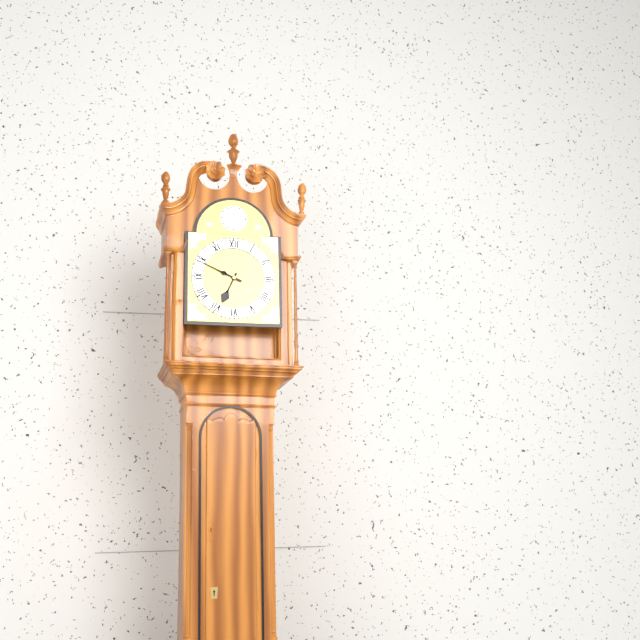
6:49
